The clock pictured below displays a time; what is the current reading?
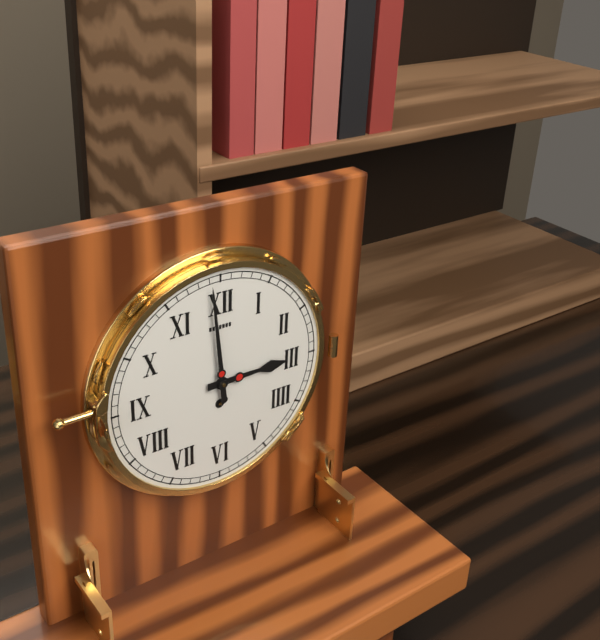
2:59
